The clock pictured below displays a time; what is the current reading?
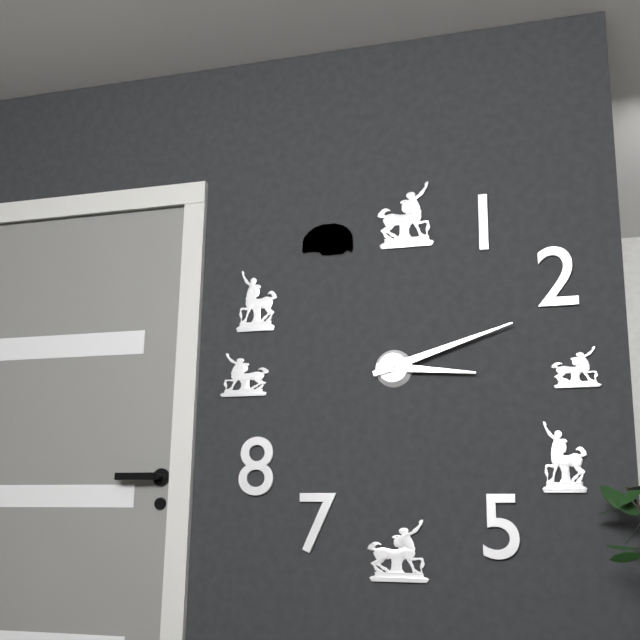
3:12
